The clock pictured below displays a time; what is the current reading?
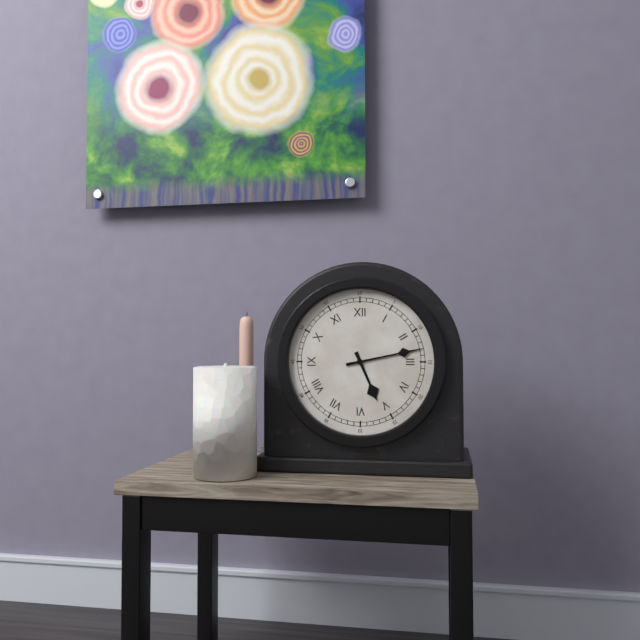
5:13
